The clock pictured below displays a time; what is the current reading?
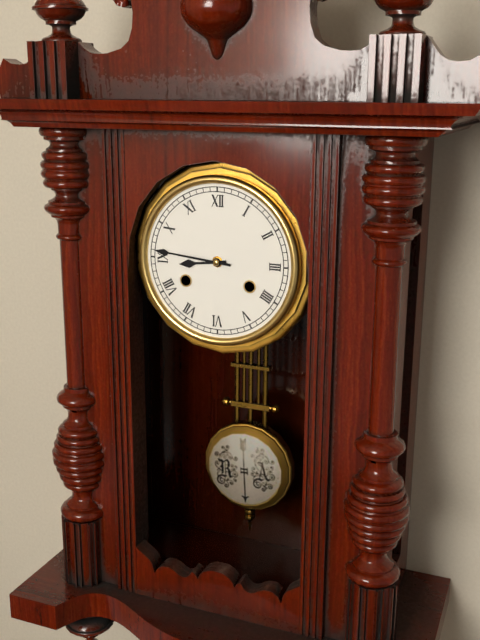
8:46
